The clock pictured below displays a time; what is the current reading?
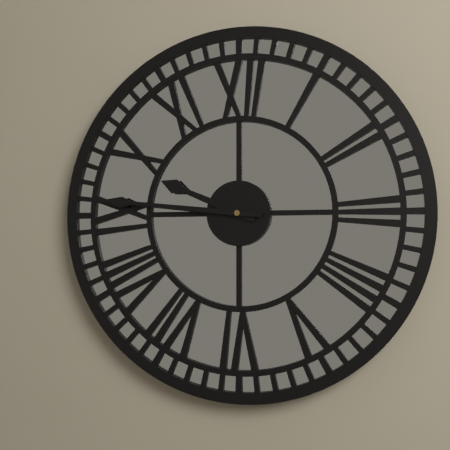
9:46
